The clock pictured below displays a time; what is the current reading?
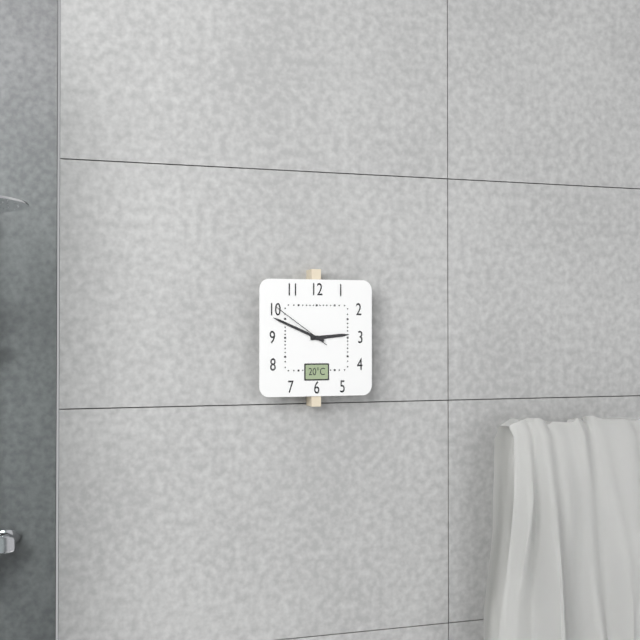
2:49:51
